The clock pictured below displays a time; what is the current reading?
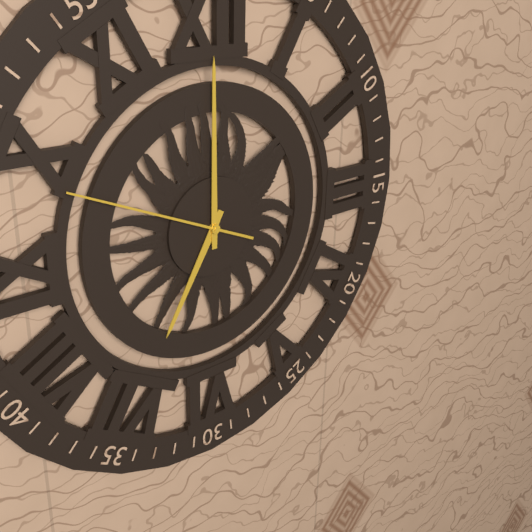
7:00:49
